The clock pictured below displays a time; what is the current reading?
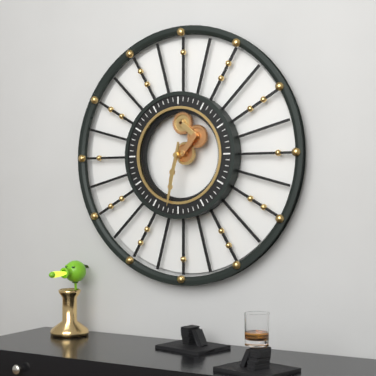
6:32
